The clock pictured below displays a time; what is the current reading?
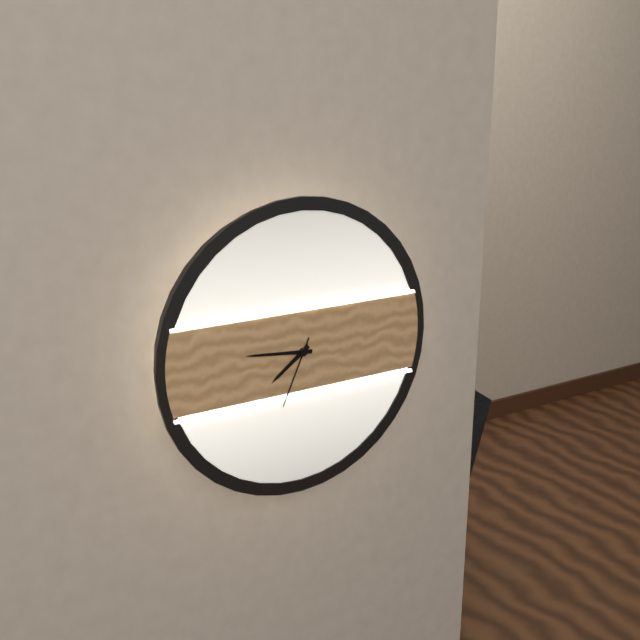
7:46:34
